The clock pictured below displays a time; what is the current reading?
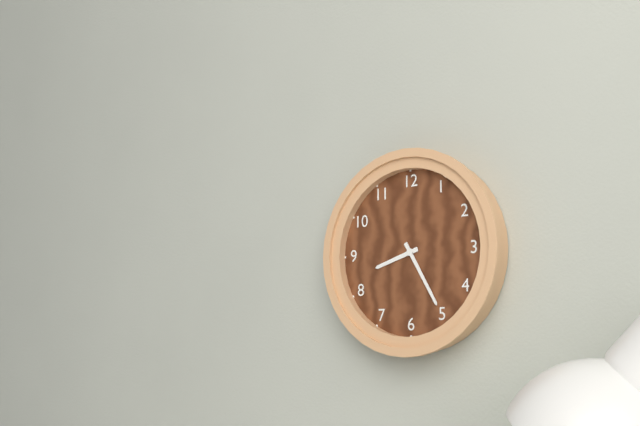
8:25
